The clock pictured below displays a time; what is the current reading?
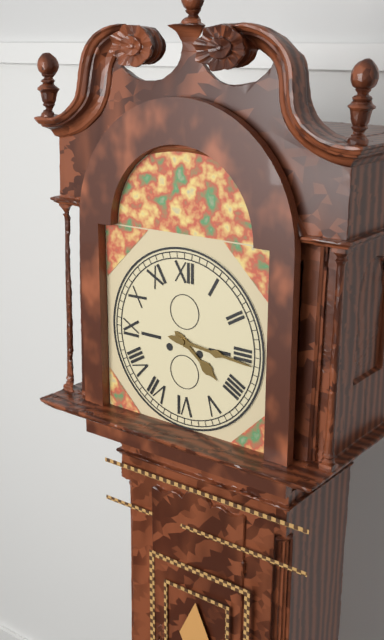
4:16
